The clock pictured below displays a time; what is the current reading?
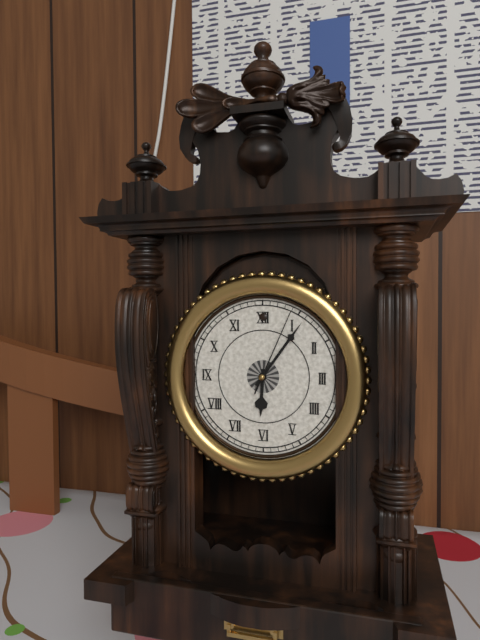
6:06:04
